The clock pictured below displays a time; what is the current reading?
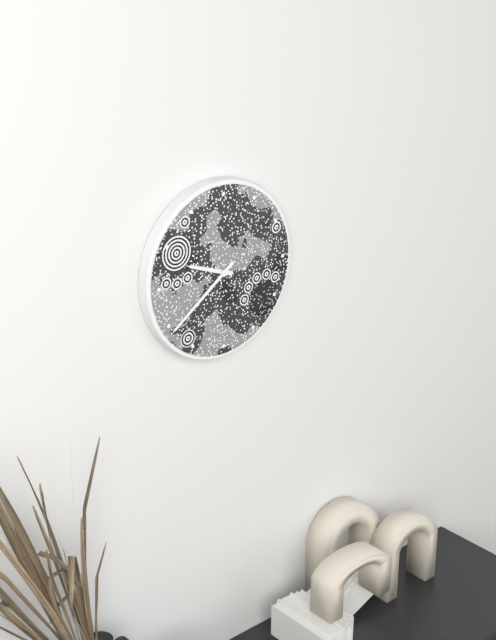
9:39
